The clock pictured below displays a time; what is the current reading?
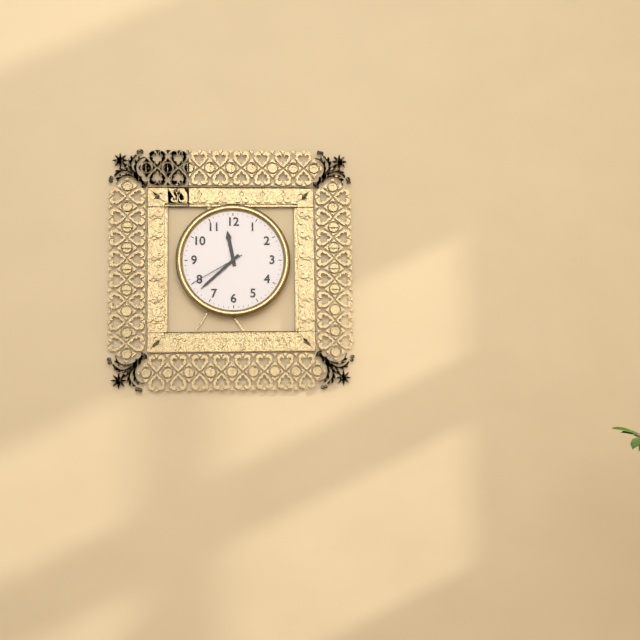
11:38:40
